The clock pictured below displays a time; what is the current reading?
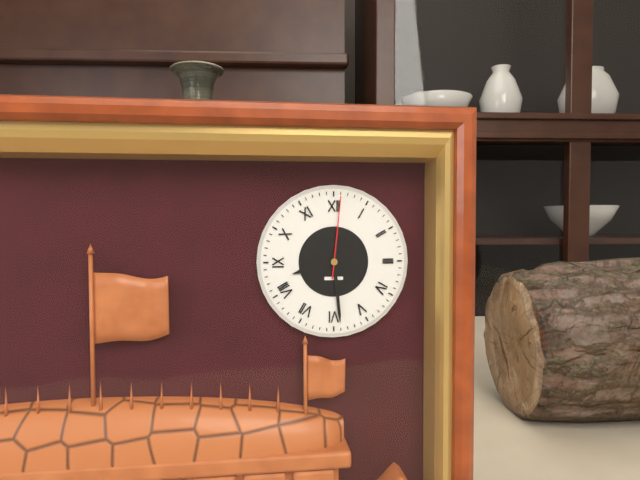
8:29:01
